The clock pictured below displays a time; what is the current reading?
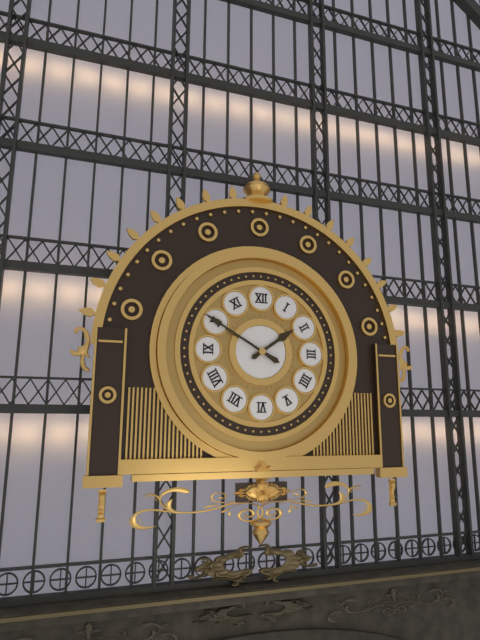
1:50
